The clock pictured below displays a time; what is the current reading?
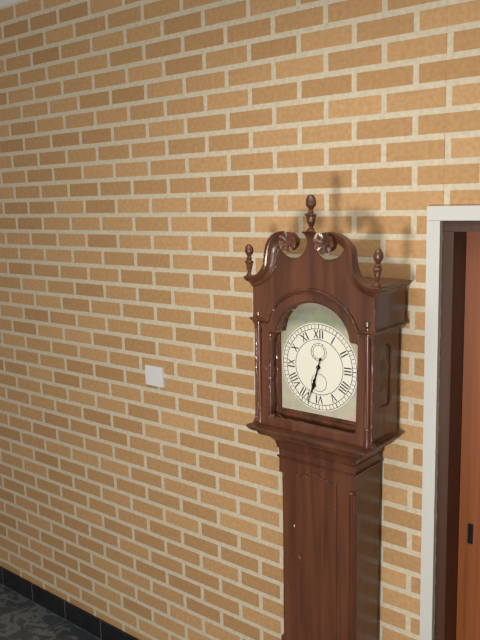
6:33
